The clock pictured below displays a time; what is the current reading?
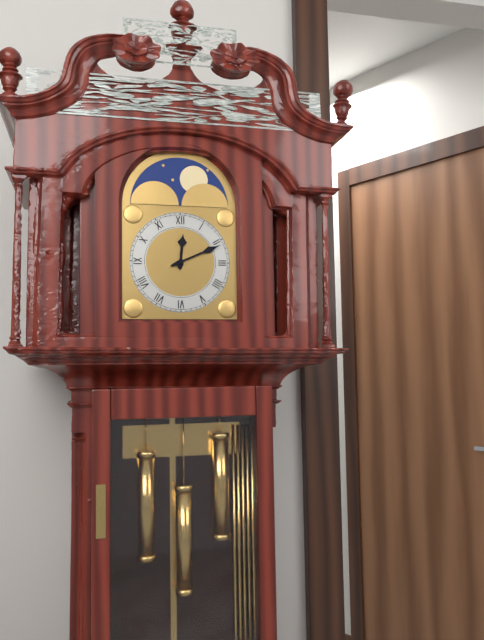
12:11
